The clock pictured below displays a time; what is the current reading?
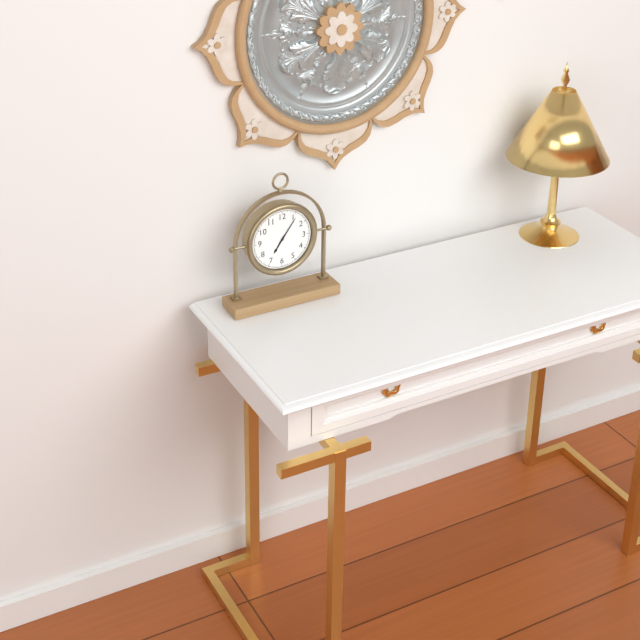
7:06
